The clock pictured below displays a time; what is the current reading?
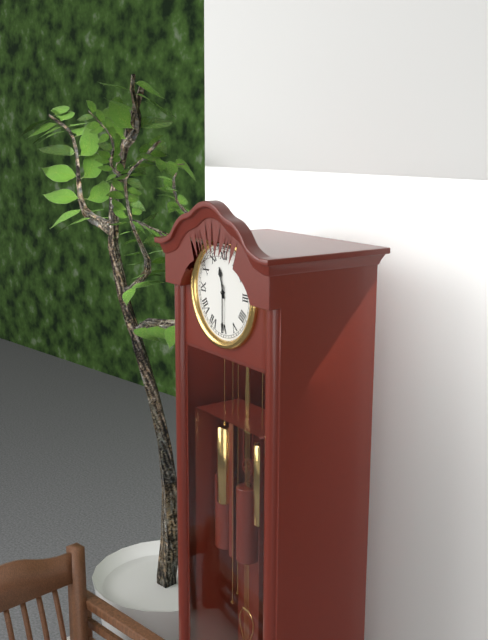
11:30
